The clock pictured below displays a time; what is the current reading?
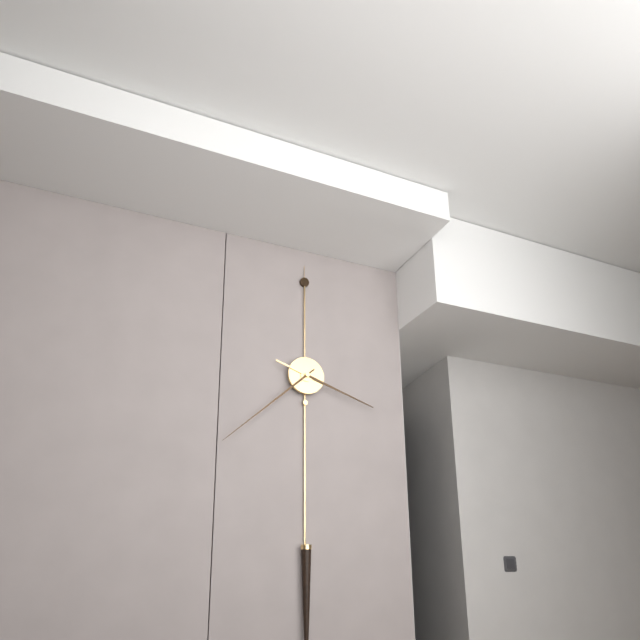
3:38
